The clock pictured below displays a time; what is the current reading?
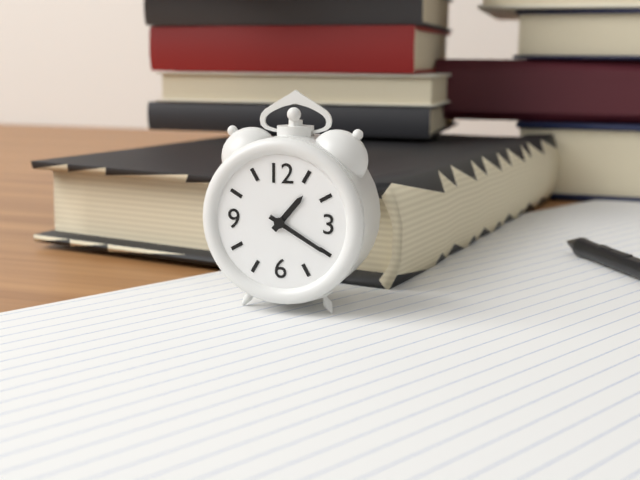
1:20
